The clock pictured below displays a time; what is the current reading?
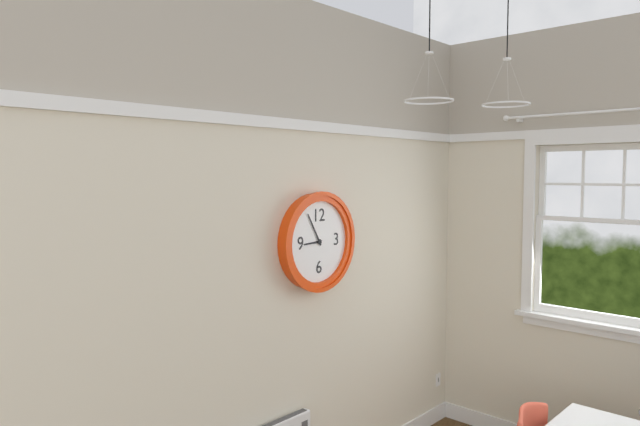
8:55
